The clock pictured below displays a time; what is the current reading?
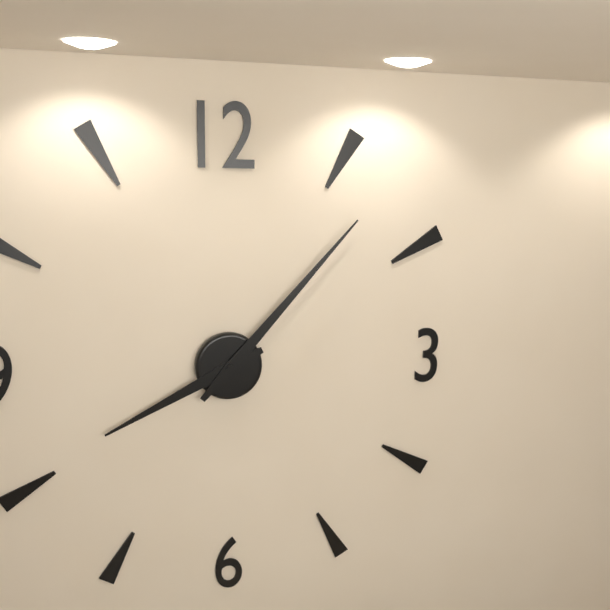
8:07
